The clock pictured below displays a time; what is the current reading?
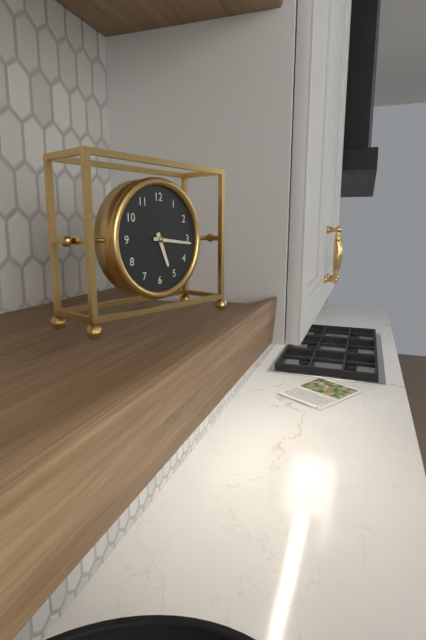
5:16
